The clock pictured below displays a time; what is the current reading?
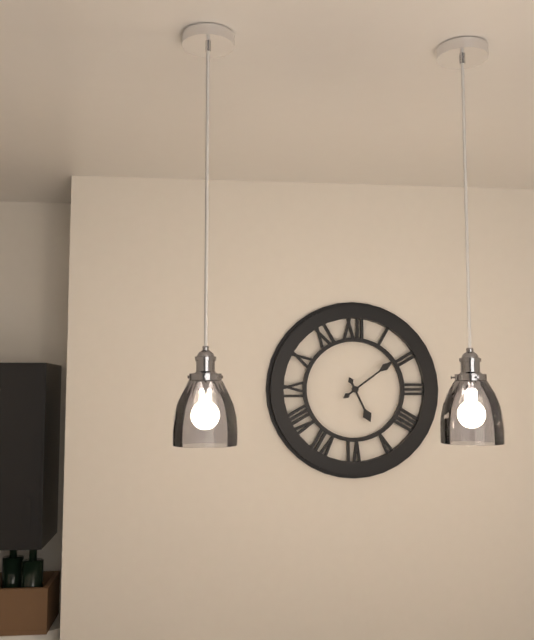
5:09
